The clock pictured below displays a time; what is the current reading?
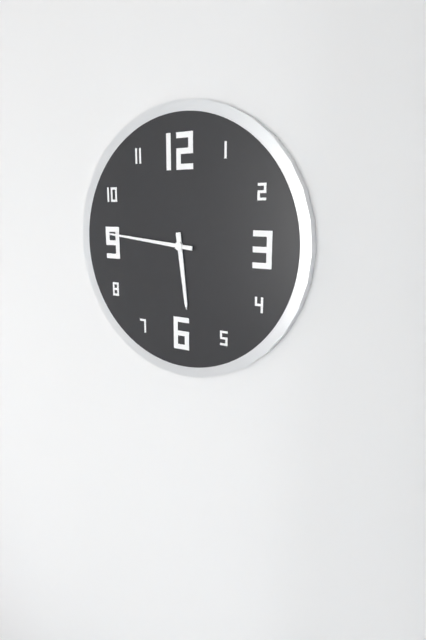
5:46
